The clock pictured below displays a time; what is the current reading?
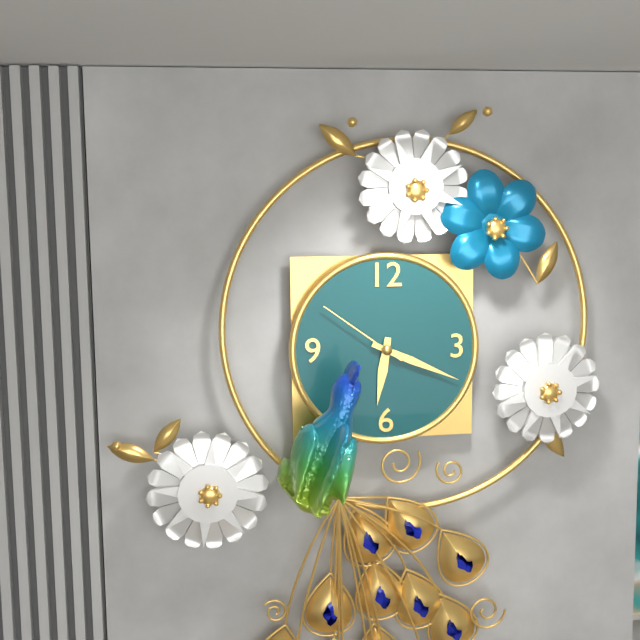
6:19:51
